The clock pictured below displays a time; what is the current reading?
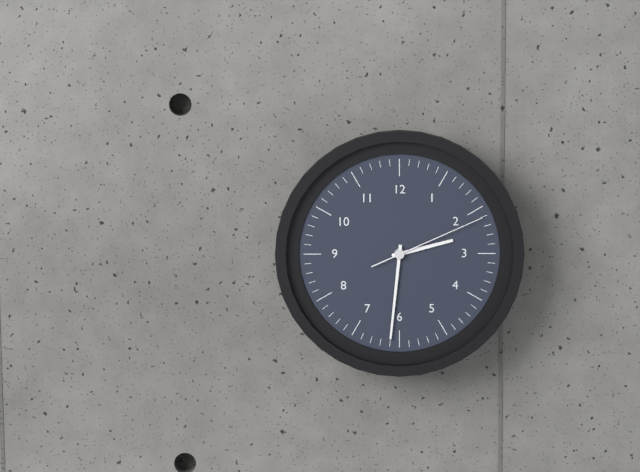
2:31:11
